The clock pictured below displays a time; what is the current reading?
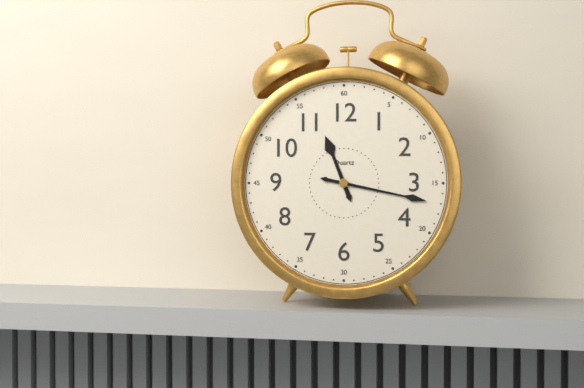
11:17
